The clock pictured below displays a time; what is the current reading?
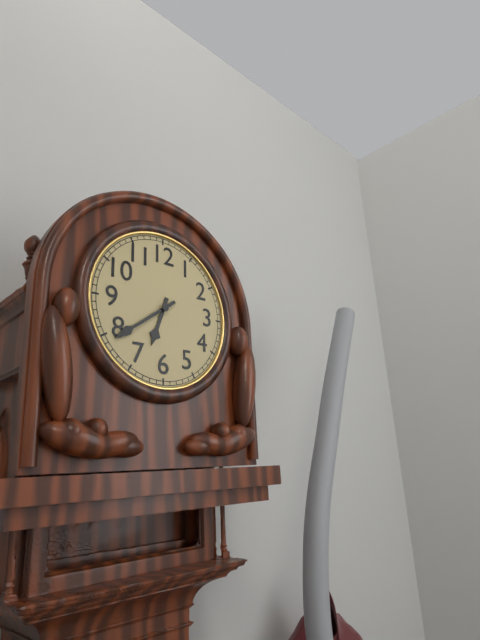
6:39
